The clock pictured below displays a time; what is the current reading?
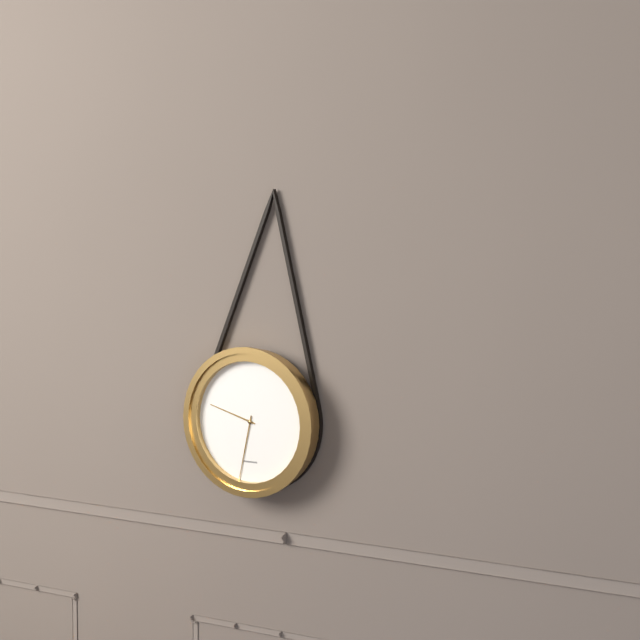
9:32
